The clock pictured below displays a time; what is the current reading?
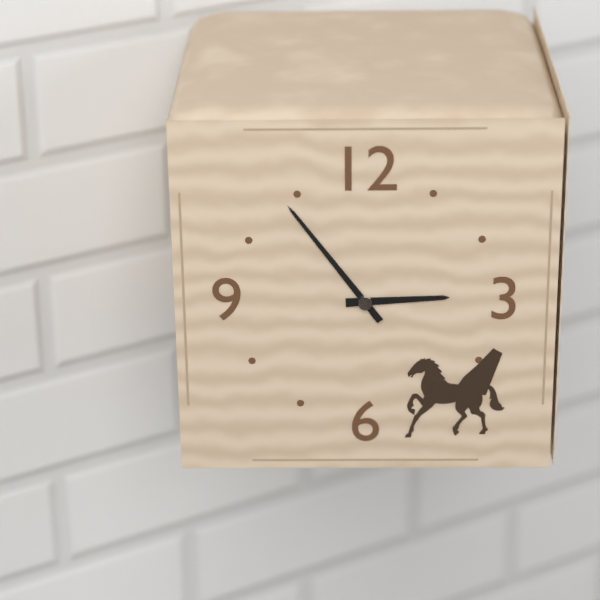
2:54
